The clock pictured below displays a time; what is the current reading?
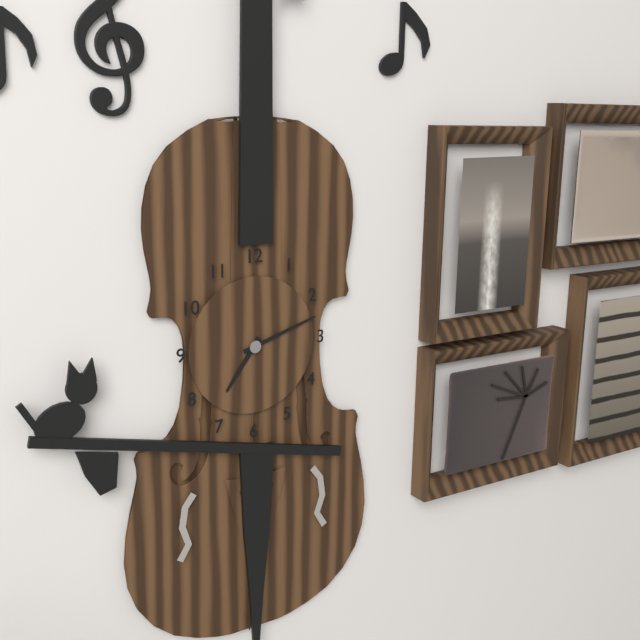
7:12
